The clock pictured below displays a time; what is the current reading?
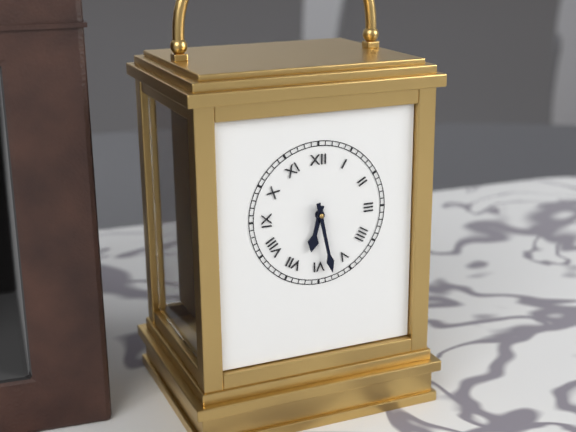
6:28
